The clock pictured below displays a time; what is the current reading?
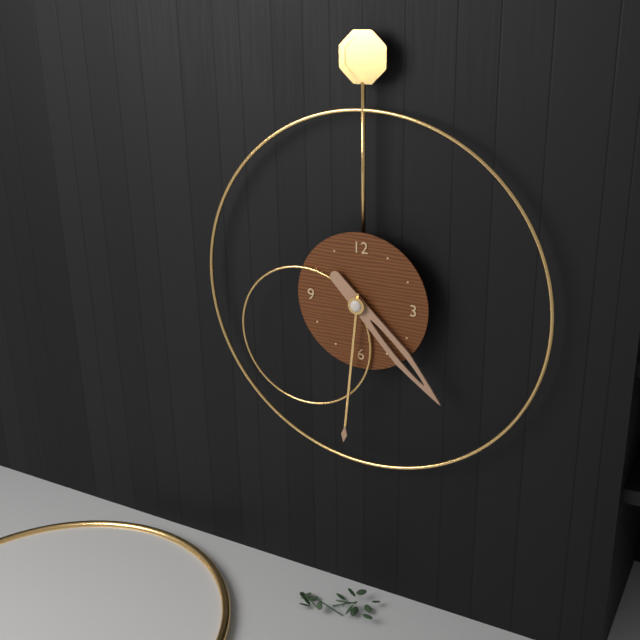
4:31
